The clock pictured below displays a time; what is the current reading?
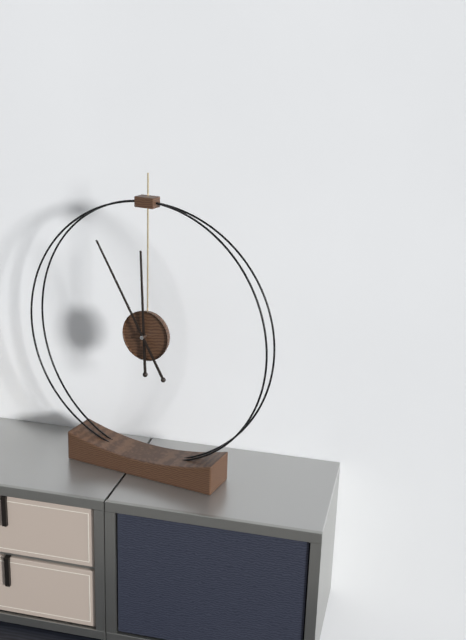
11:55
